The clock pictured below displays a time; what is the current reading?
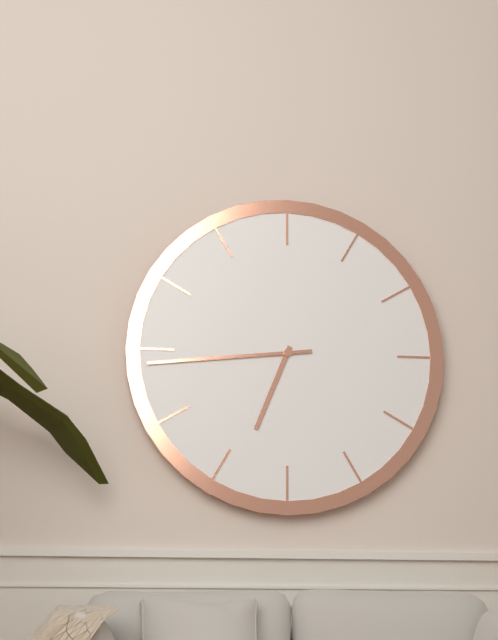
6:44
